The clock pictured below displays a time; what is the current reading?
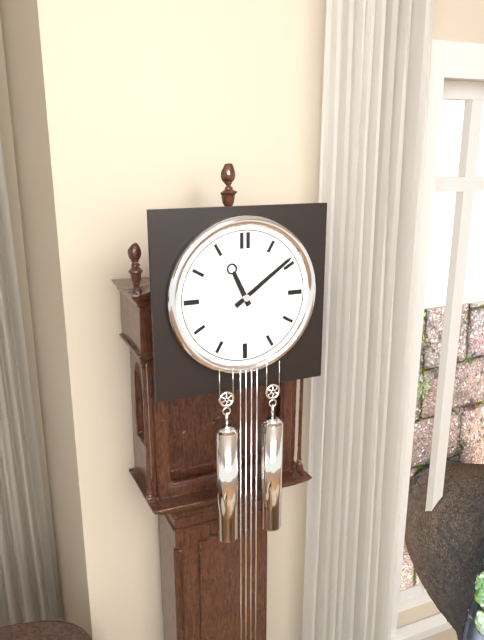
11:09
